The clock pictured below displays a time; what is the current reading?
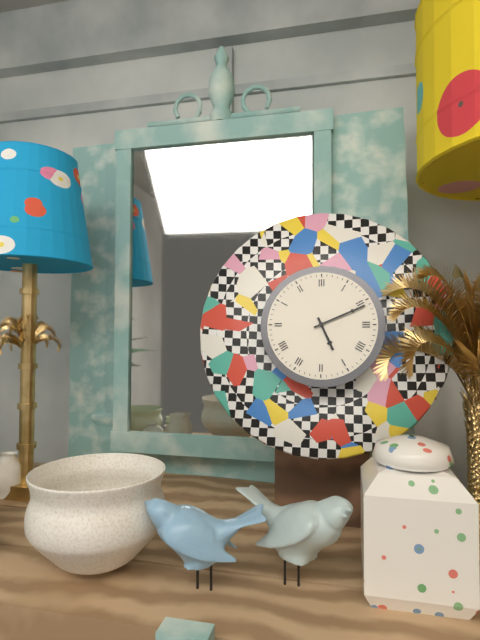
5:11
